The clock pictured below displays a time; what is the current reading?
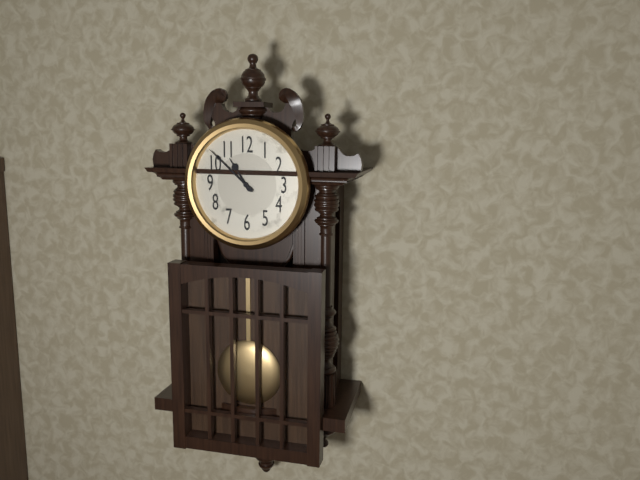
10:52
